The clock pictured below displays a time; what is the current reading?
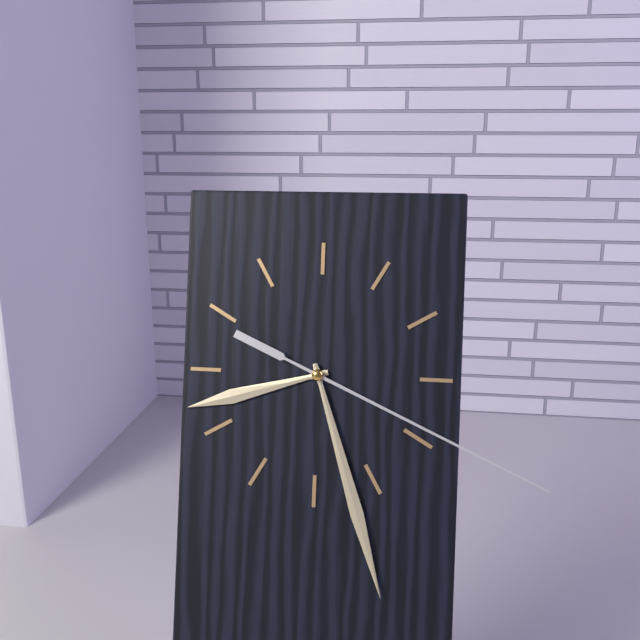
8:27:19
